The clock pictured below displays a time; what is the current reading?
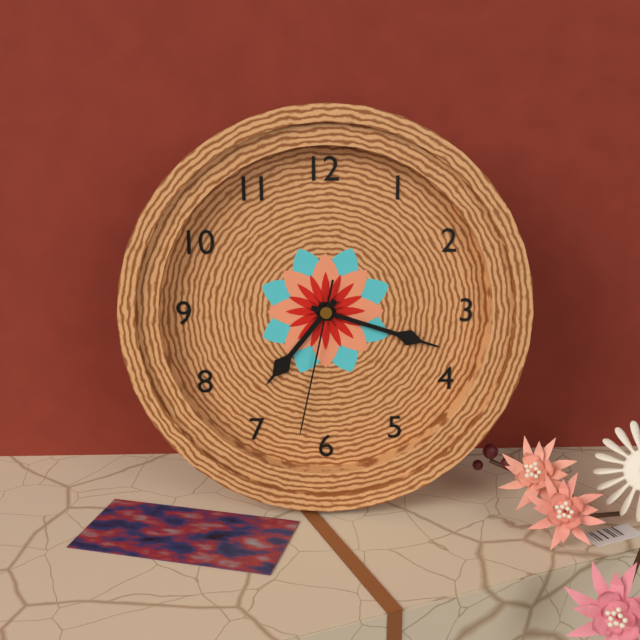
7:18:32
